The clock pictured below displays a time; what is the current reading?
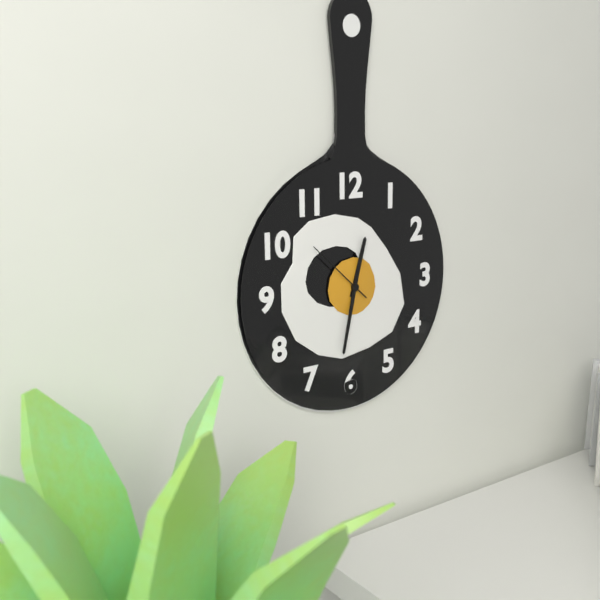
12:32:52
